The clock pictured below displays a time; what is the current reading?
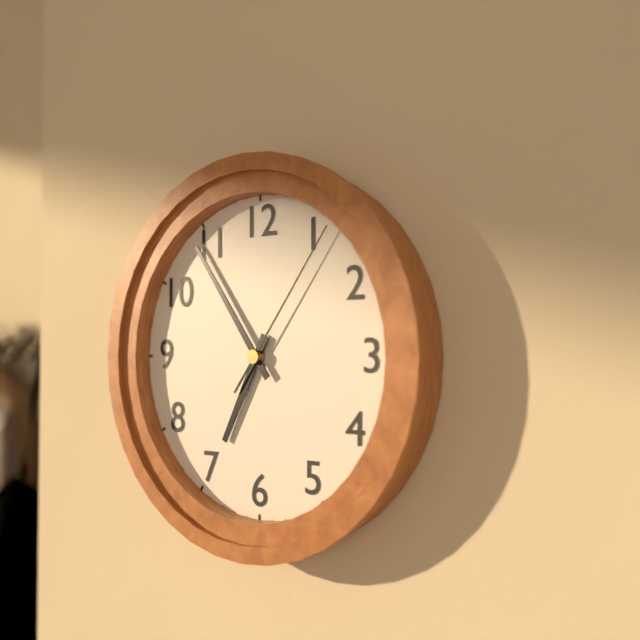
6:54:06
